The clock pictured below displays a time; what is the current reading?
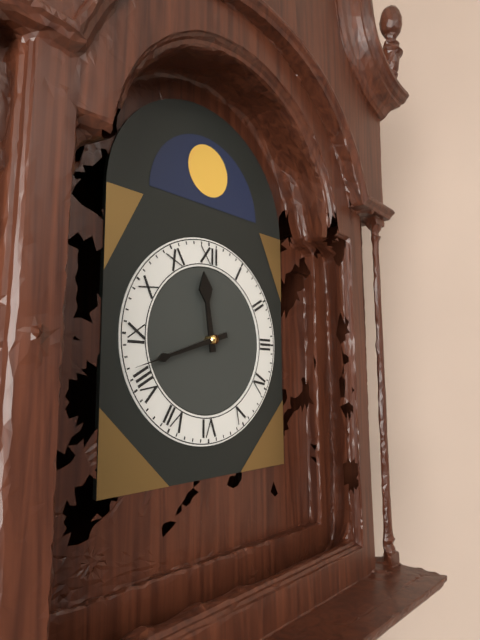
11:42
